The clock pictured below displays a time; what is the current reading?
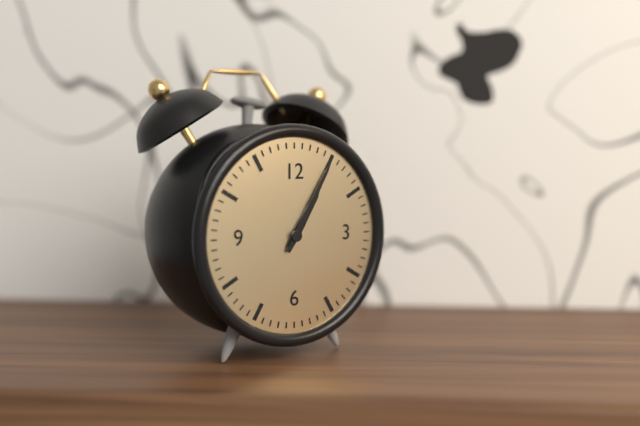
1:05
